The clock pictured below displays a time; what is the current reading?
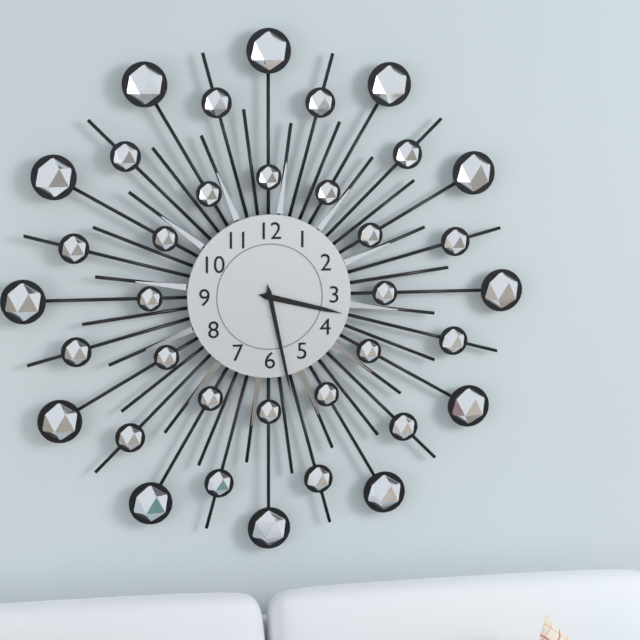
3:28
